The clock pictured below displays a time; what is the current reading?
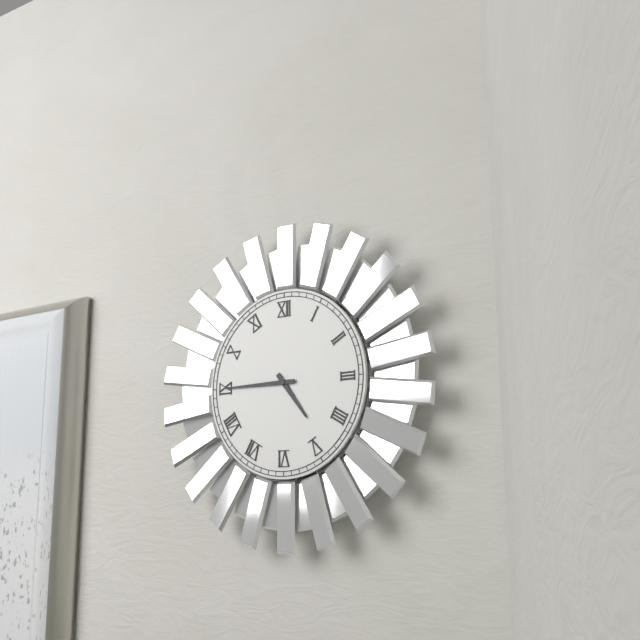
4:45
